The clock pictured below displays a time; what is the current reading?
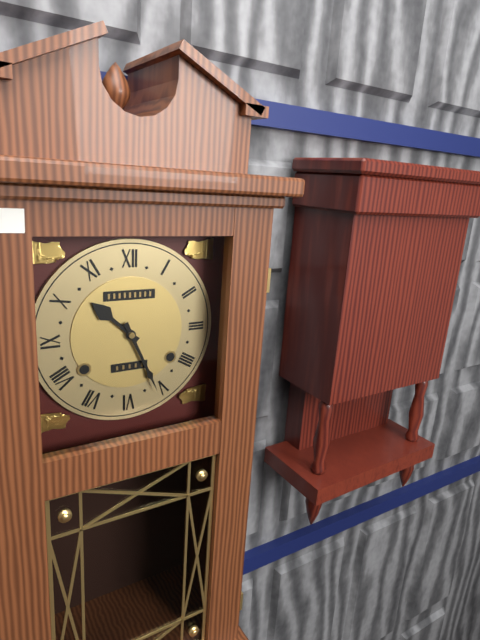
10:26
